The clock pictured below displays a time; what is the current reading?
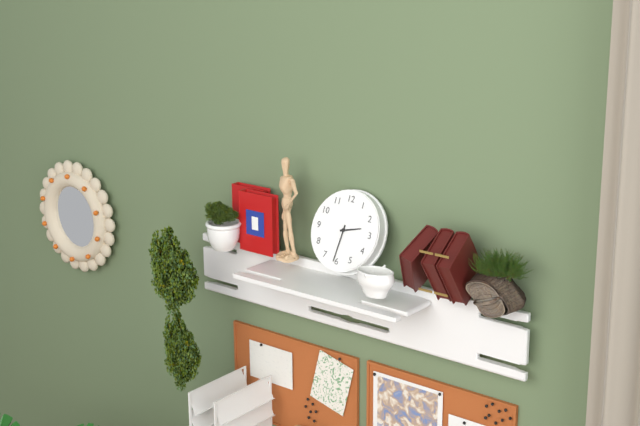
2:31
